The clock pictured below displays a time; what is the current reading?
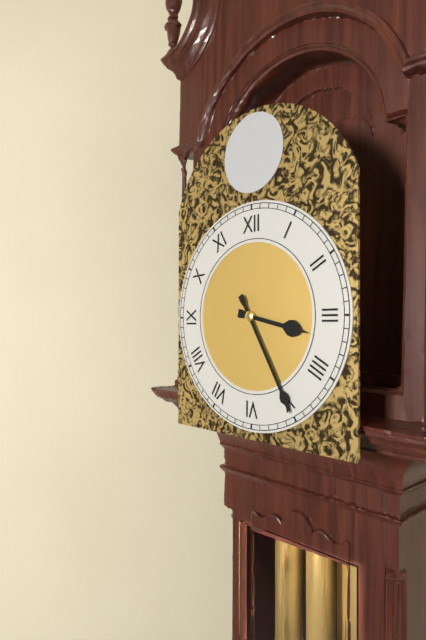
3:25
